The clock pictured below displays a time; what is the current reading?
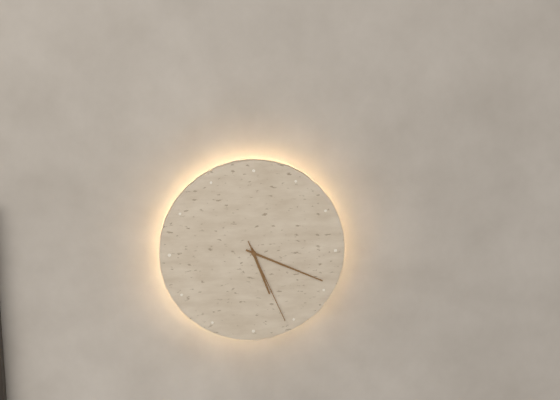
5:19:26
